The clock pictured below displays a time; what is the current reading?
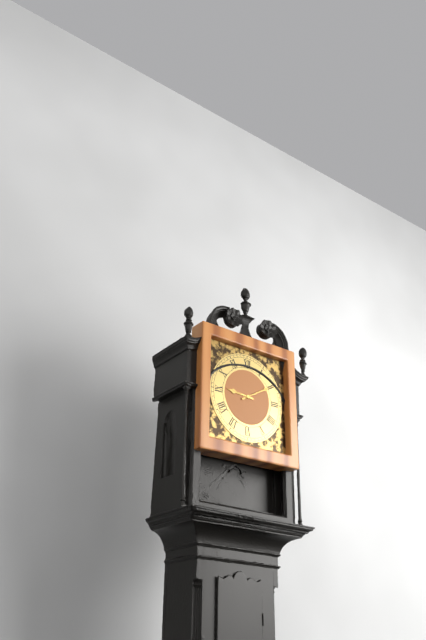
9:10
